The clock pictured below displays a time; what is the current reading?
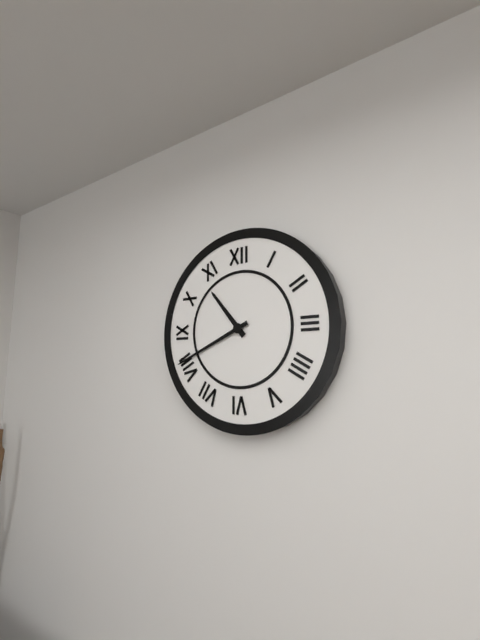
10:41
